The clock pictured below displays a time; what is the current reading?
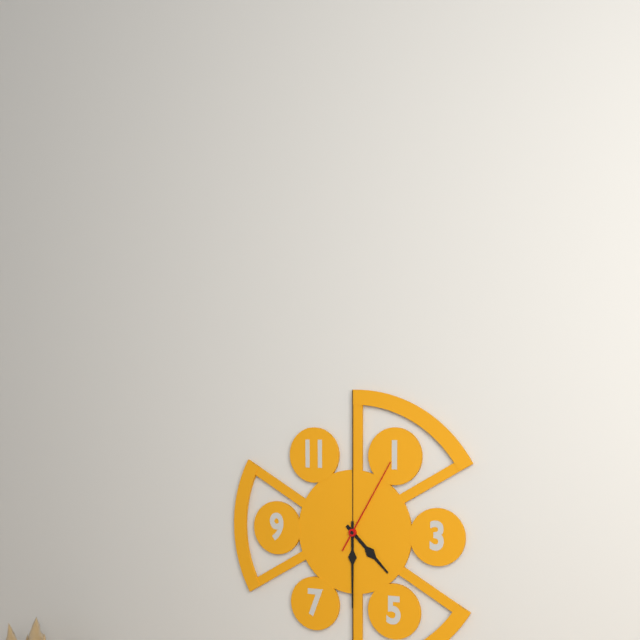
4:30:05
